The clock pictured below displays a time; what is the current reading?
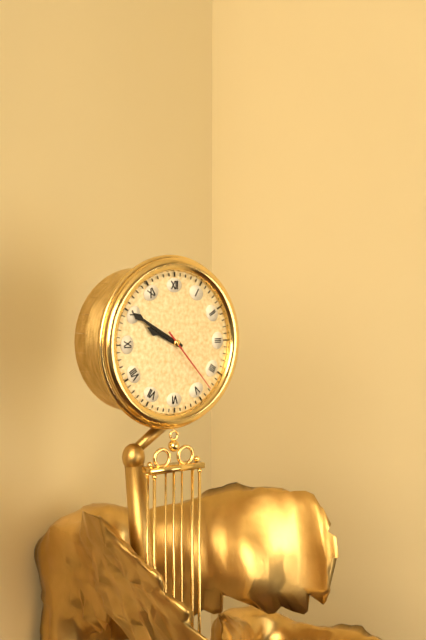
9:50:23
